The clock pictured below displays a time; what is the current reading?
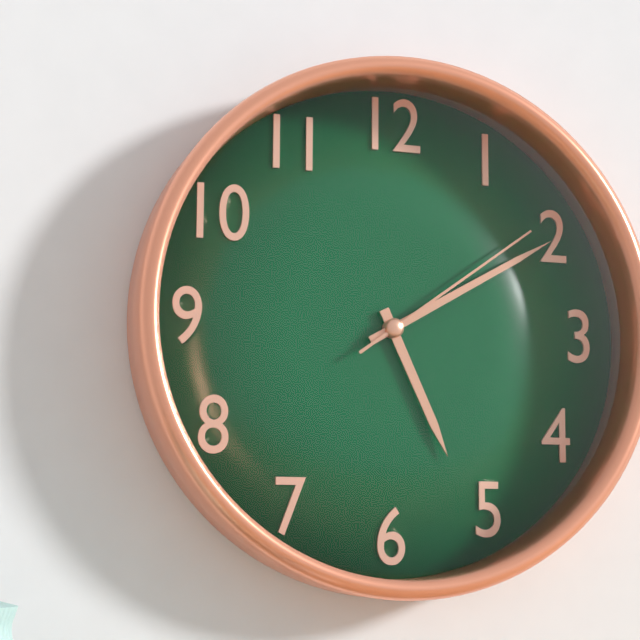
5:10:09
